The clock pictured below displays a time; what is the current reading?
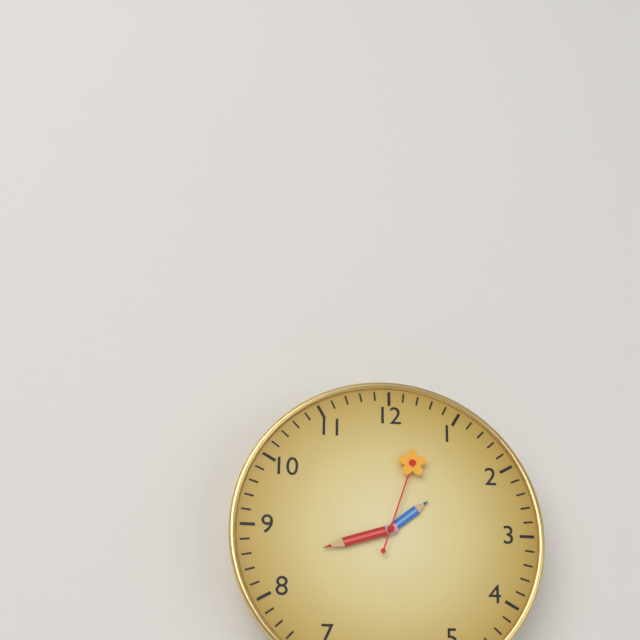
1:42:03
